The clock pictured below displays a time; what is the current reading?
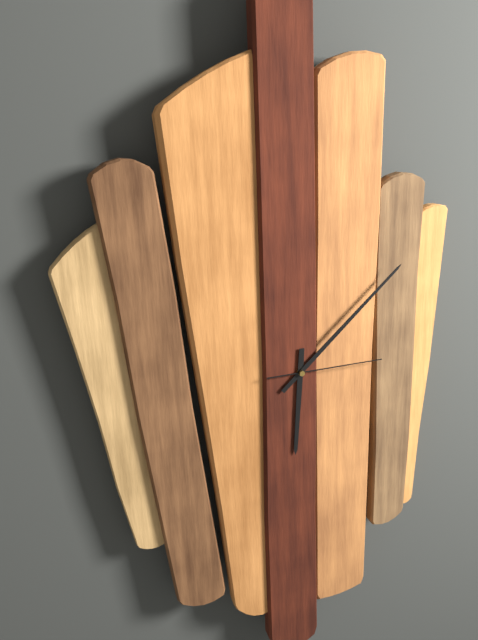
6:08:15
